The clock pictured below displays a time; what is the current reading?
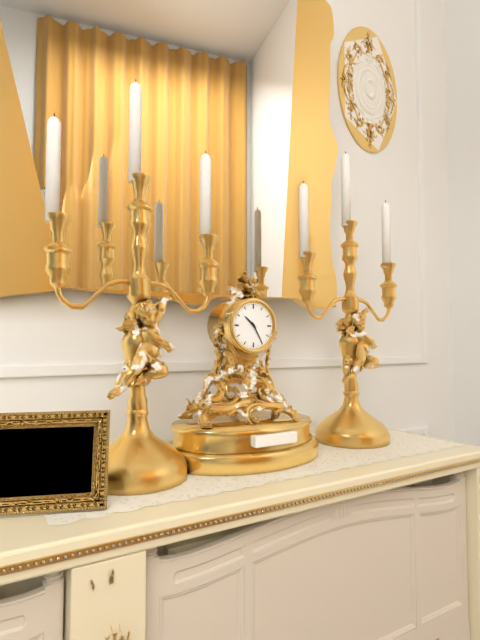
10:25
